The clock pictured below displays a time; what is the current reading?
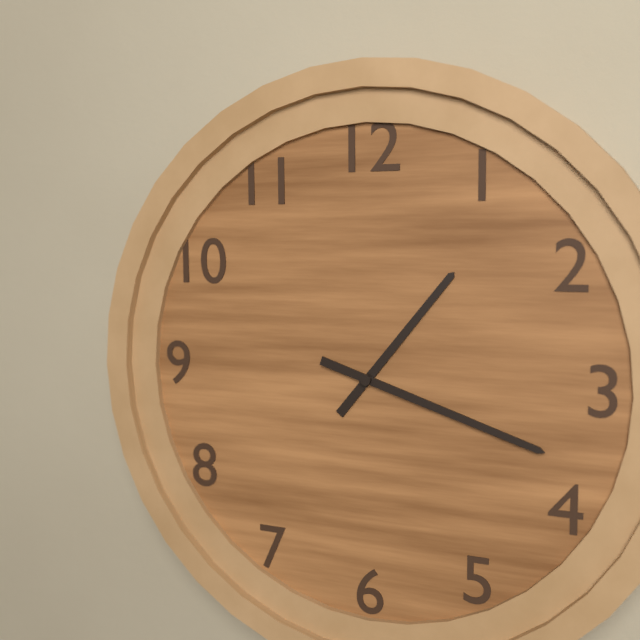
1:18
